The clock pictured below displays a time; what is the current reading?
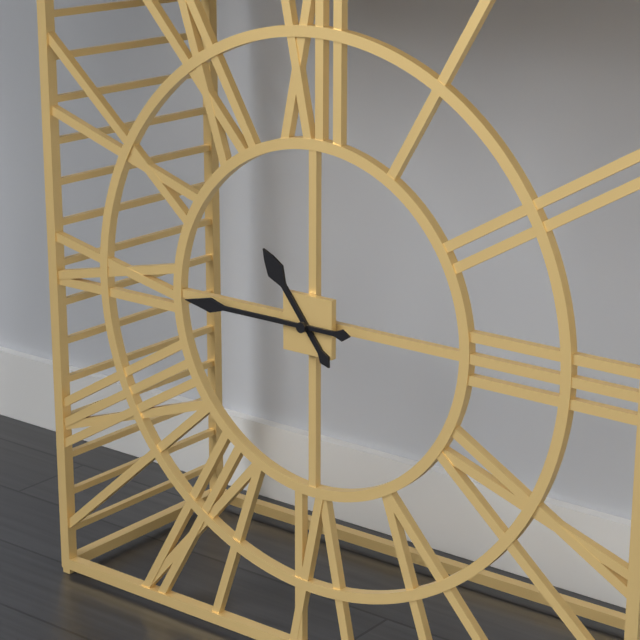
10:45
